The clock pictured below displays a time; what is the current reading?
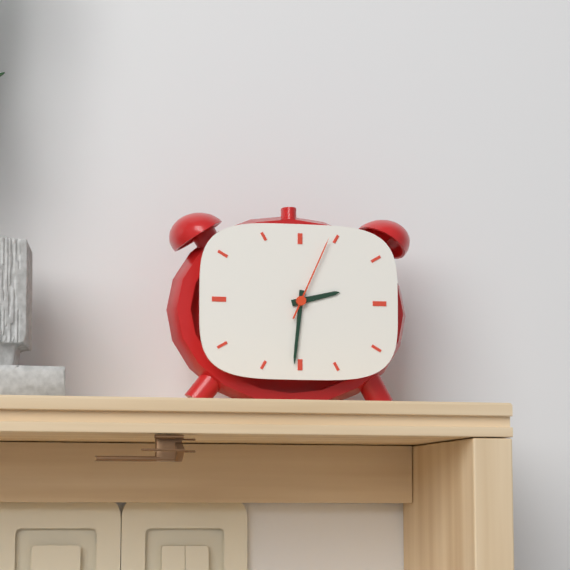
2:31:04
